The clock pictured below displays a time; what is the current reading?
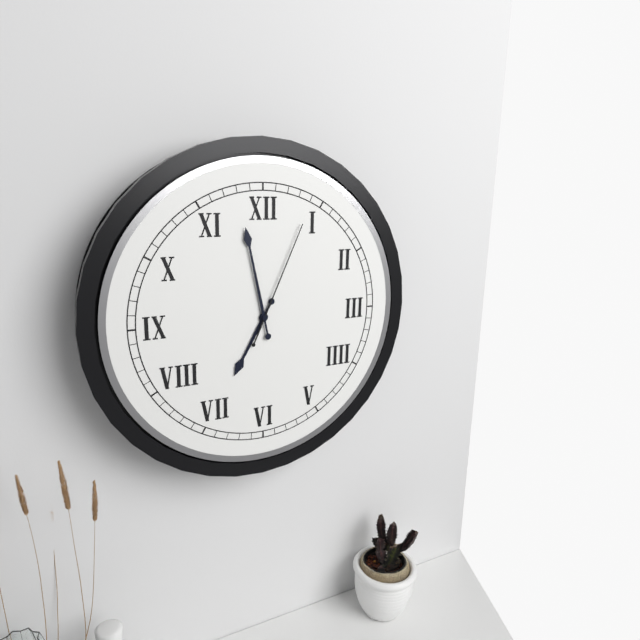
6:58:04
